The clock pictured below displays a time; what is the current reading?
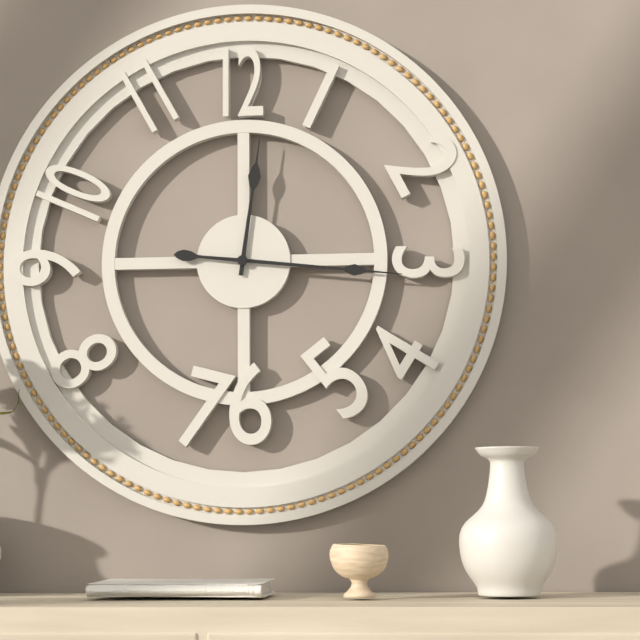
12:16
